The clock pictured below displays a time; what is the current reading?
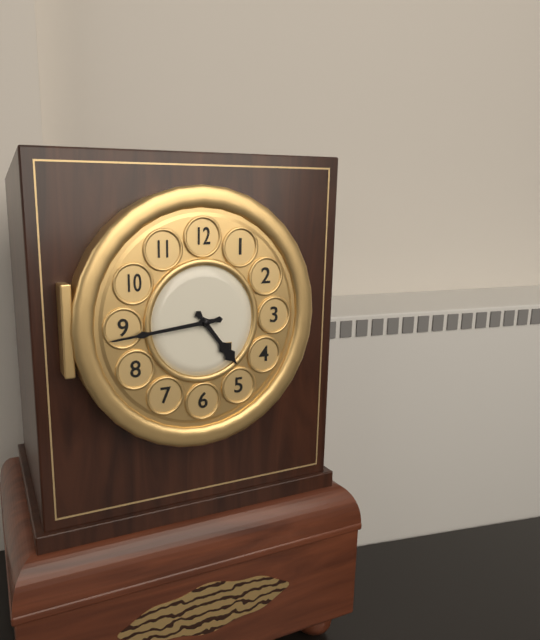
4:44
